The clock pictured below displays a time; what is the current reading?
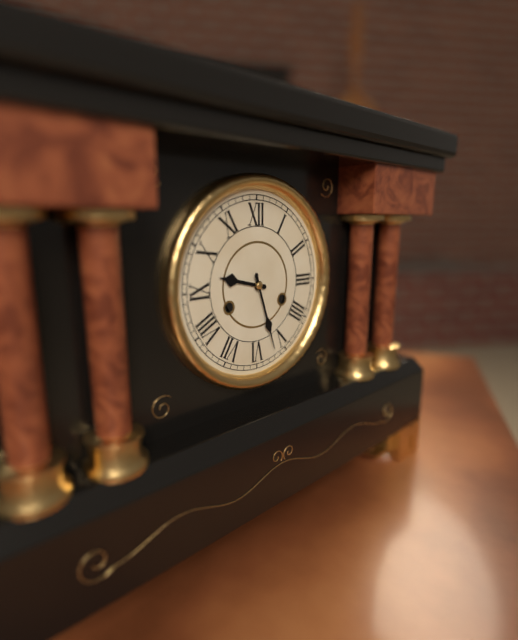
9:27
